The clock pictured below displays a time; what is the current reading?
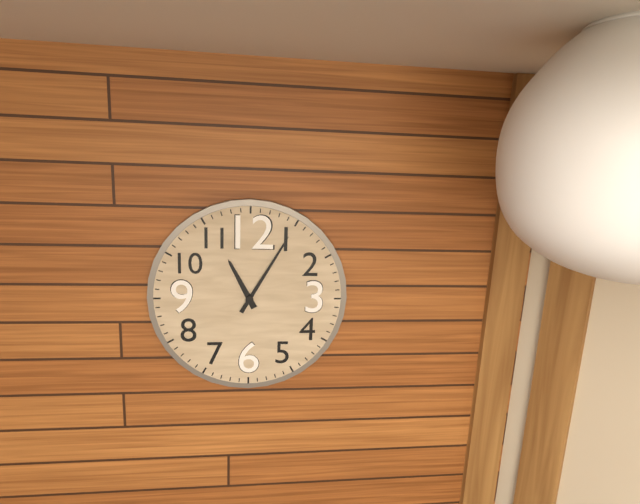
11:05
